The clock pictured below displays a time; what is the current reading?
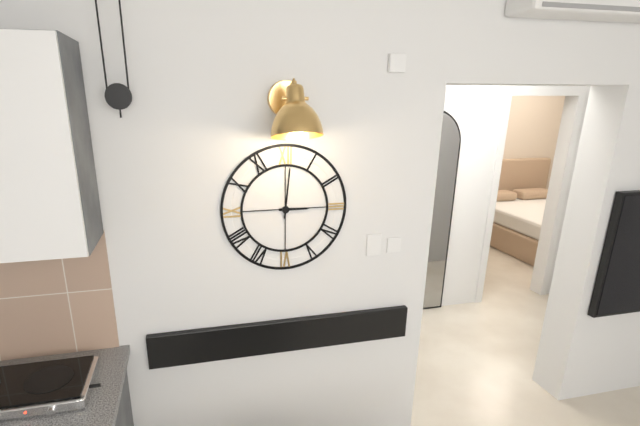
3:01
